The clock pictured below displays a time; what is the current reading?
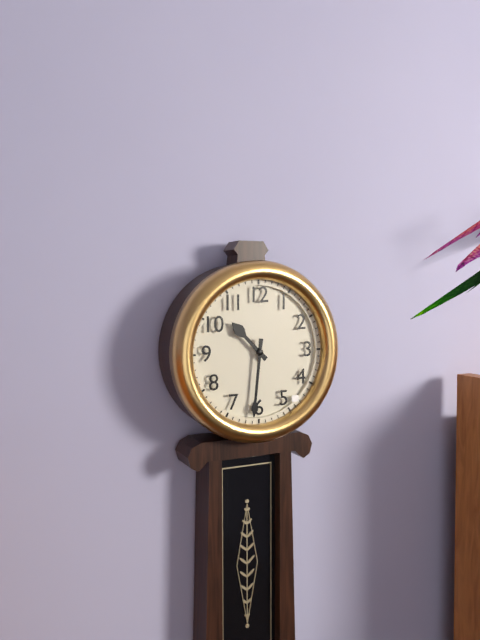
10:31
